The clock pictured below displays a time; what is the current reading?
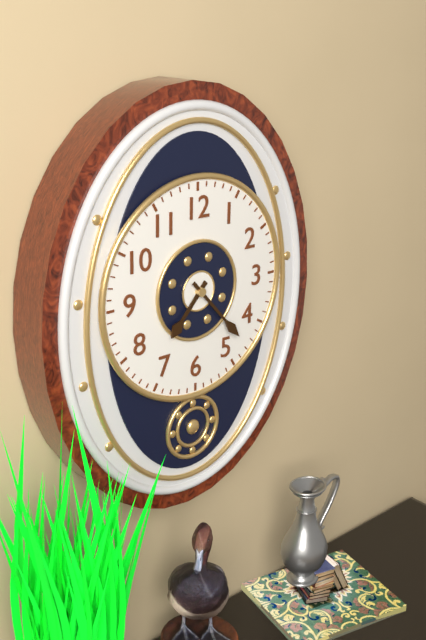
7:23
